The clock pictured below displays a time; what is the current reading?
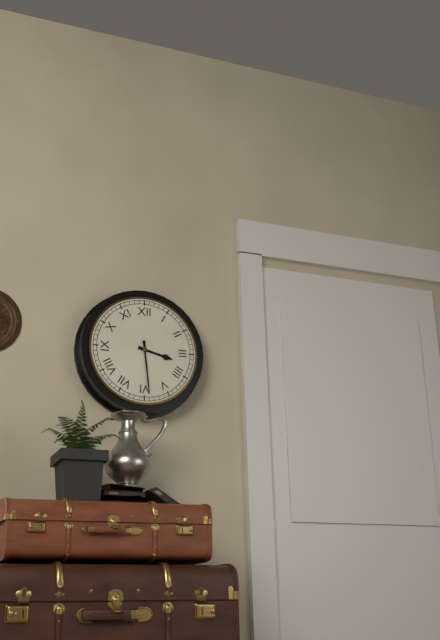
3:29
